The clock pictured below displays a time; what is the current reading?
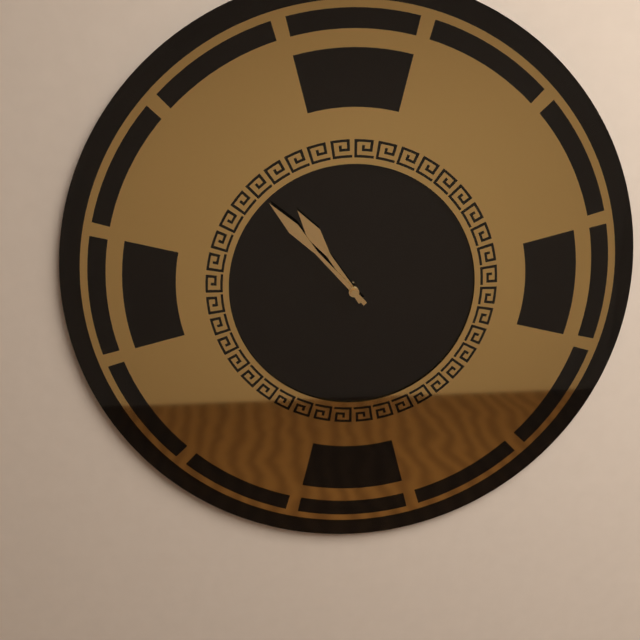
10:53
